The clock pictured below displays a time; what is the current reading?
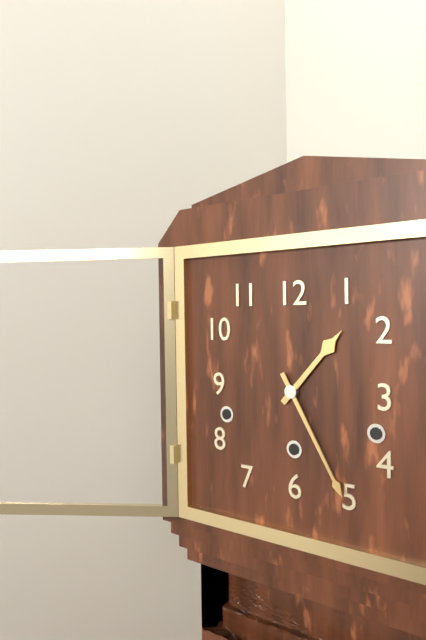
1:25
